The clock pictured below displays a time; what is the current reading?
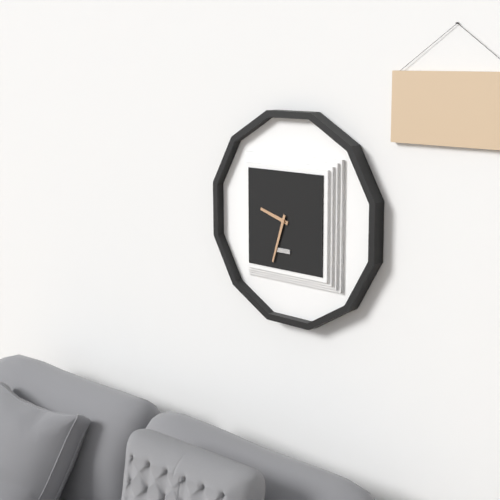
9:33
